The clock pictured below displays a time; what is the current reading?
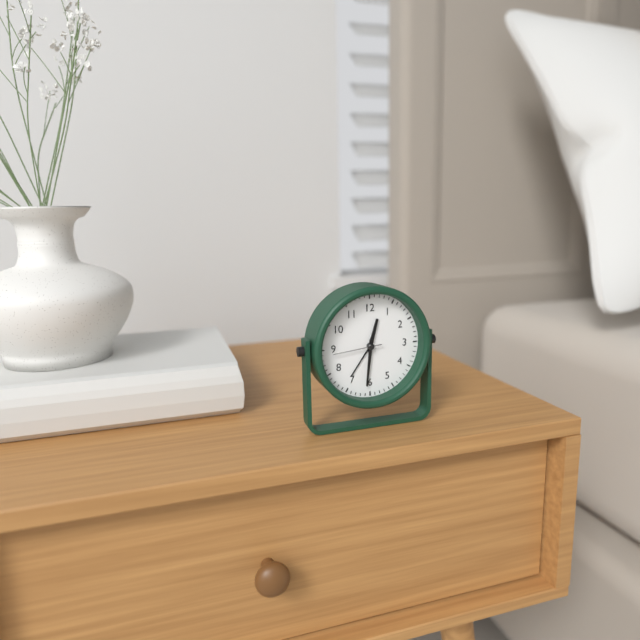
12:31
